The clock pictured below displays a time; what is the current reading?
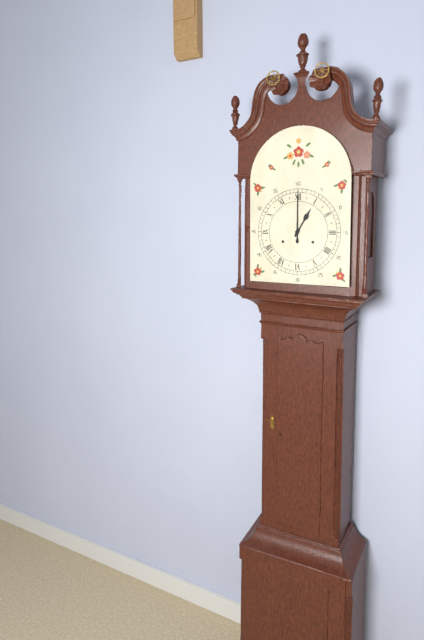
1:00
